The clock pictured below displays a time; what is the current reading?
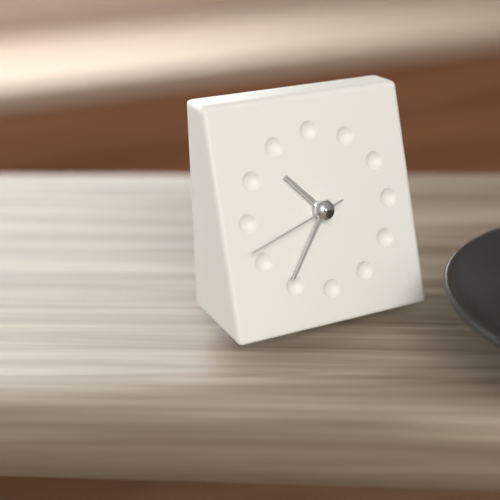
10:36:42
